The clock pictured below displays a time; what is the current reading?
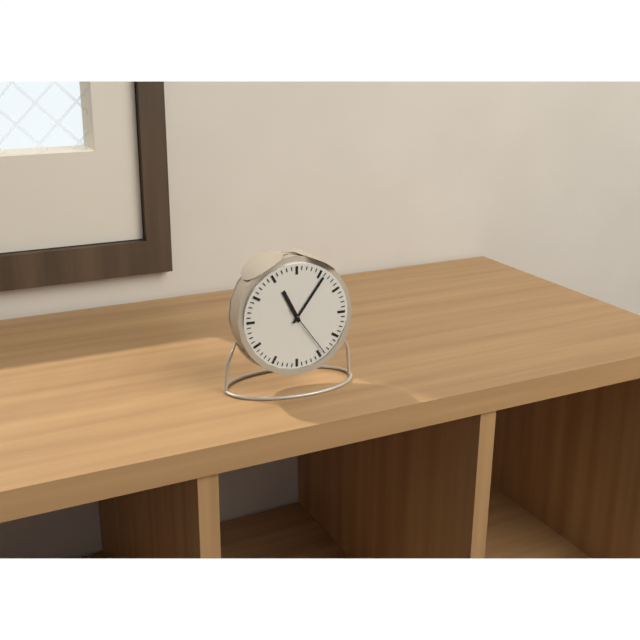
11:06:24
